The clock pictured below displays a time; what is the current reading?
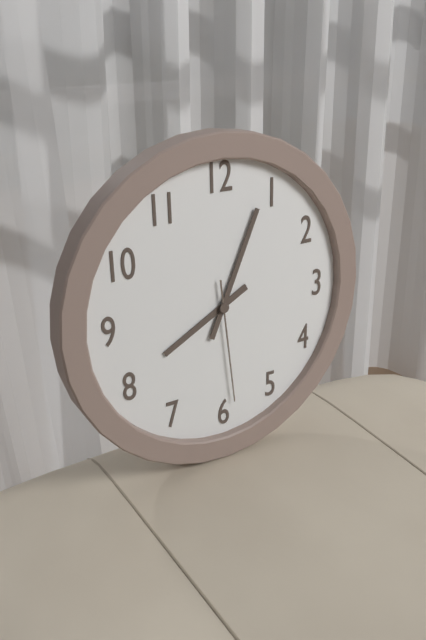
8:04:29
